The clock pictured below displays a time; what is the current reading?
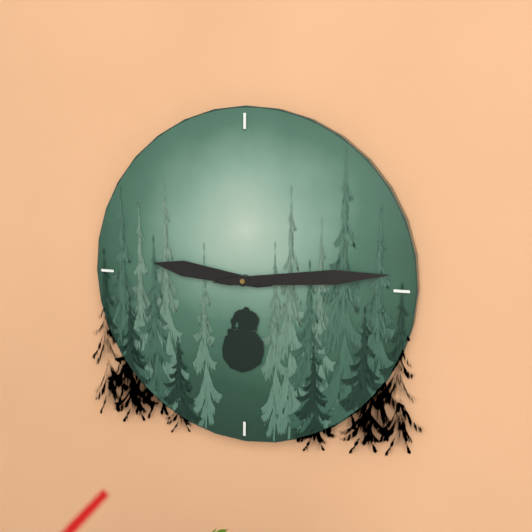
9:14
